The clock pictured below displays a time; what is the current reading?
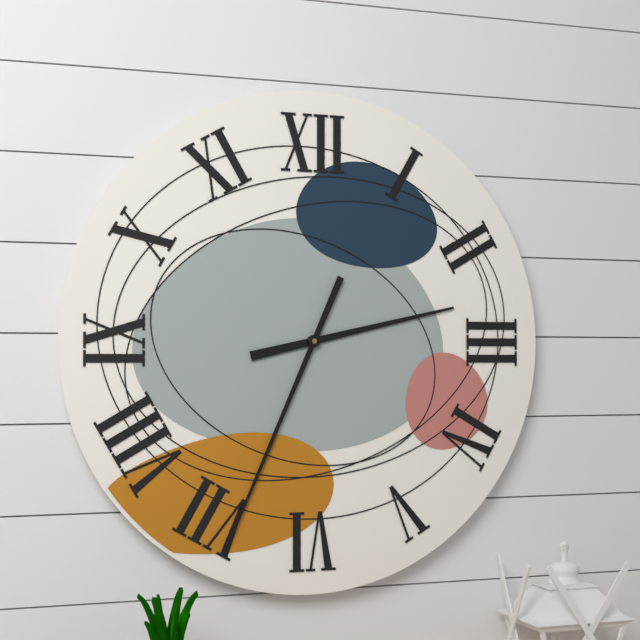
2:34
